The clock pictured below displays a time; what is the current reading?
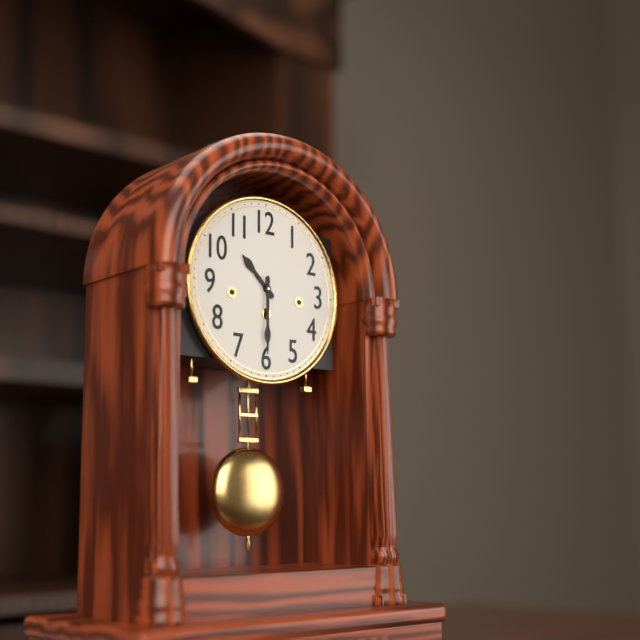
10:30
